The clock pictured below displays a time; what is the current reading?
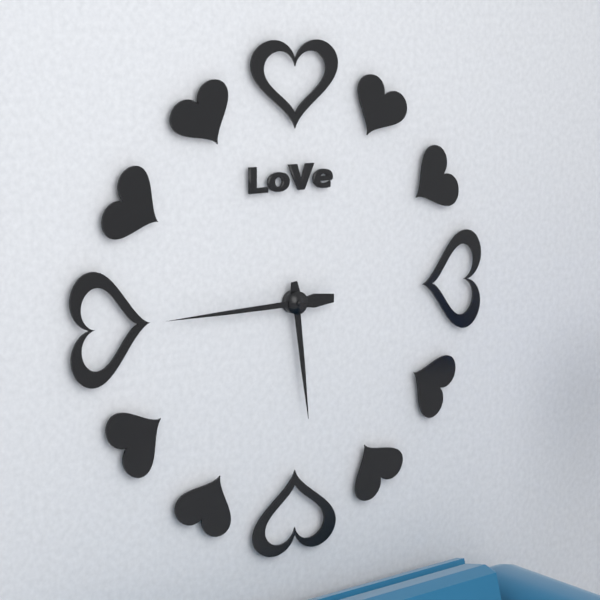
5:45
